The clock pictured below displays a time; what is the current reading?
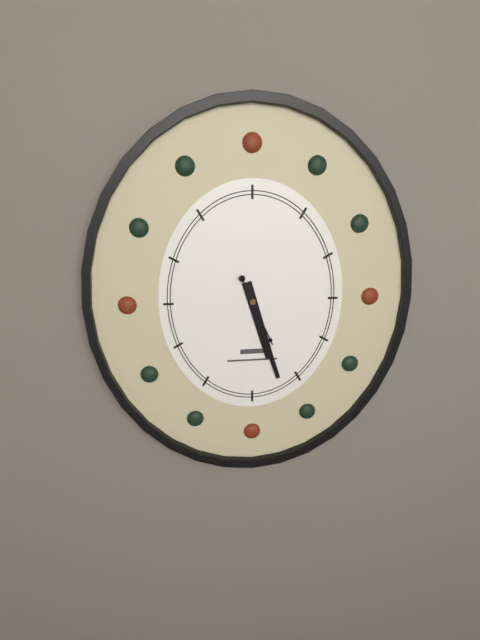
5:27:26
